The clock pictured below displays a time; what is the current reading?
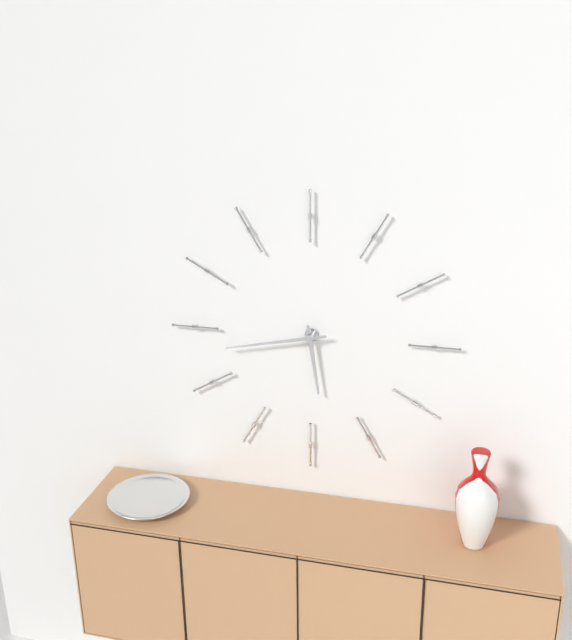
5:43
